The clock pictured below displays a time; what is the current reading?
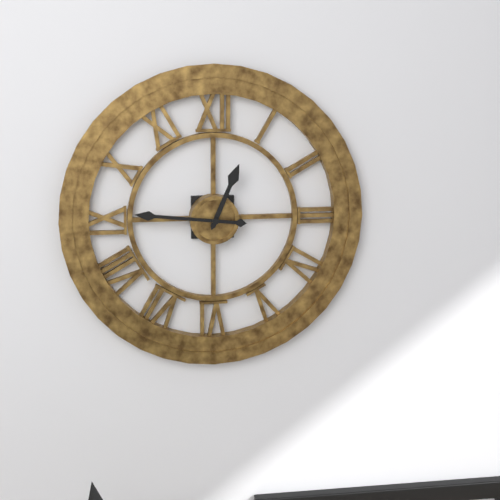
12:46
